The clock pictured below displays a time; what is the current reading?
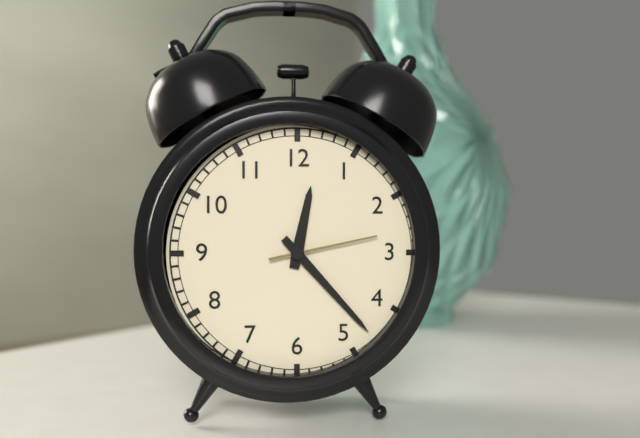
12:23:13
